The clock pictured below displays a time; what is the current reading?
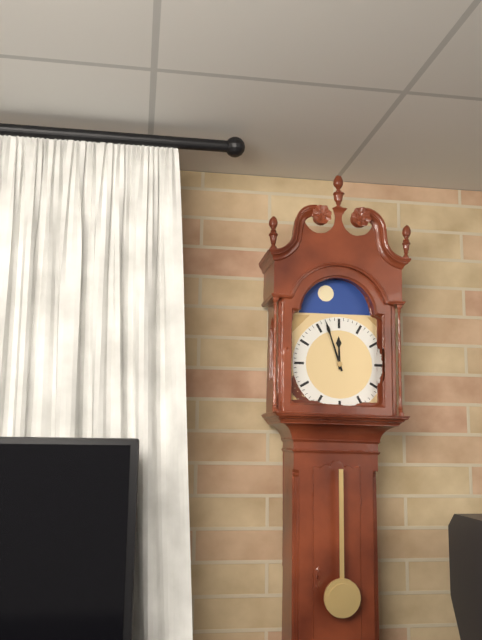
11:57
